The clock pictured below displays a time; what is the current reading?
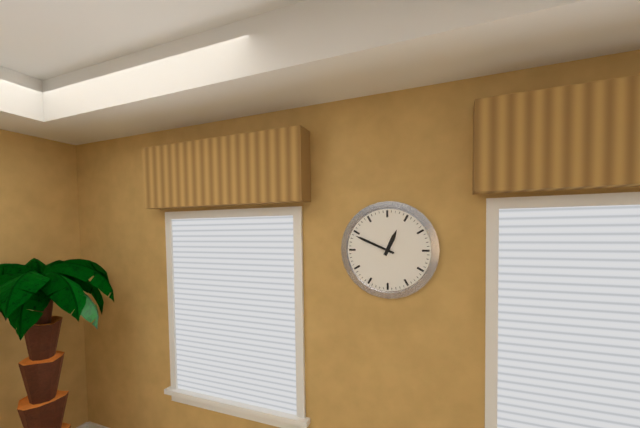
12:49
